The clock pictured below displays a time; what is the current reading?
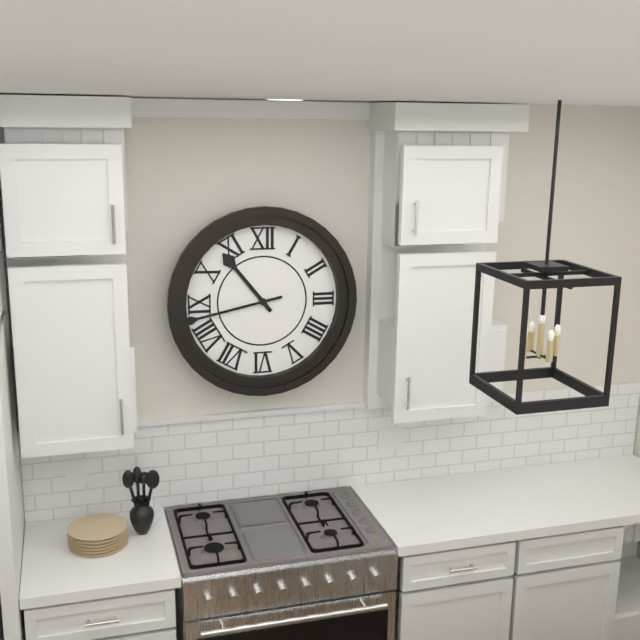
10:43
